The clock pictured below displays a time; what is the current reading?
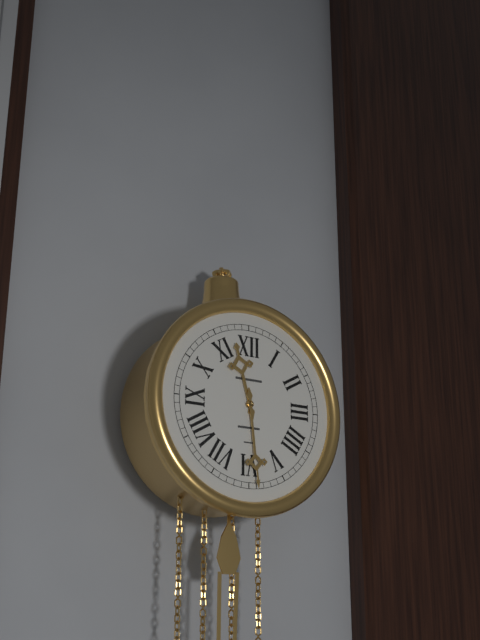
11:29
